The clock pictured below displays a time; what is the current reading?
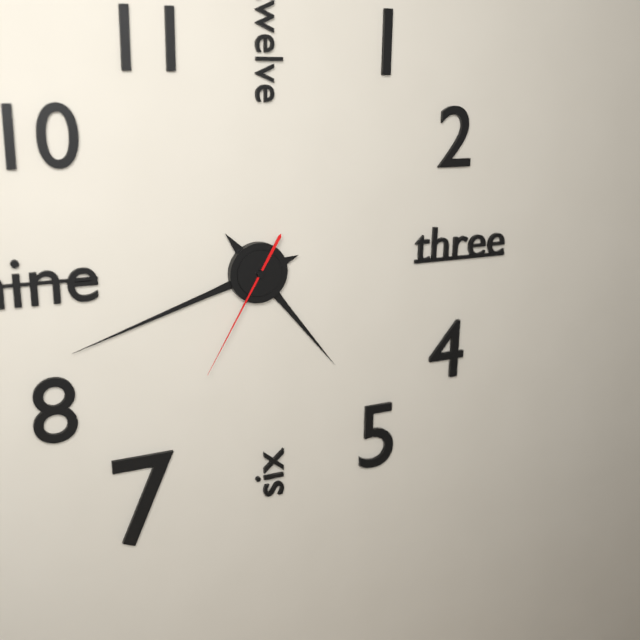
4:42:35
